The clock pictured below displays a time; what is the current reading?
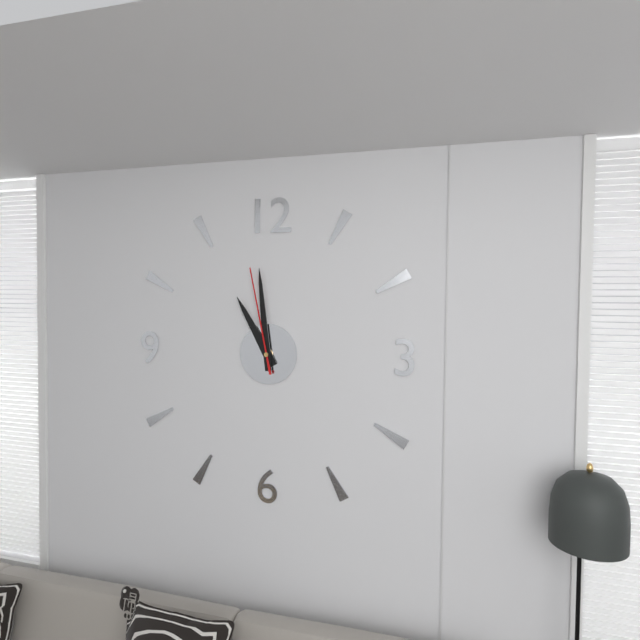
10:59:58
